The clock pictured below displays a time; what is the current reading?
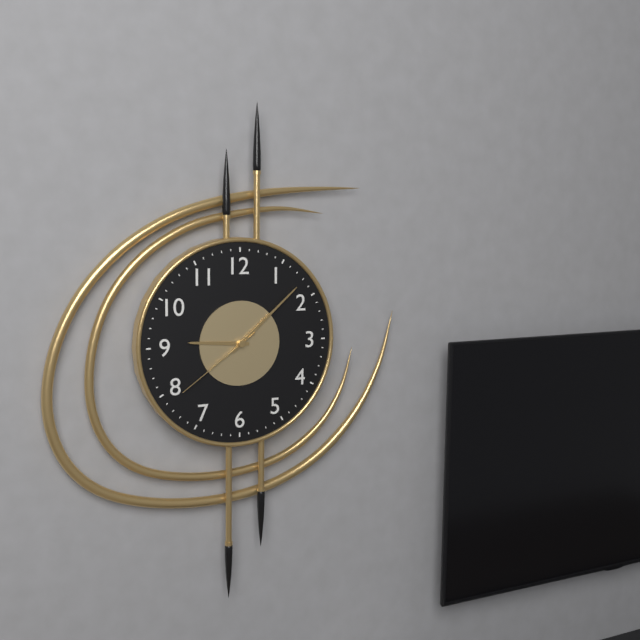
9:08:39
